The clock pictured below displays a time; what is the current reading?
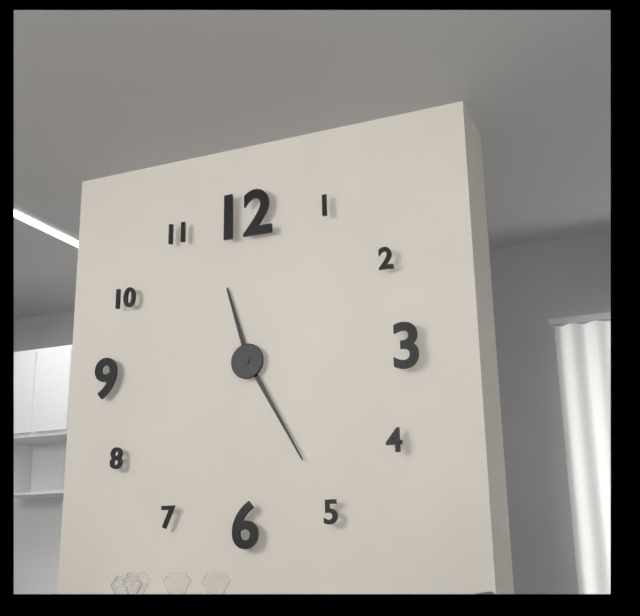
11:25
